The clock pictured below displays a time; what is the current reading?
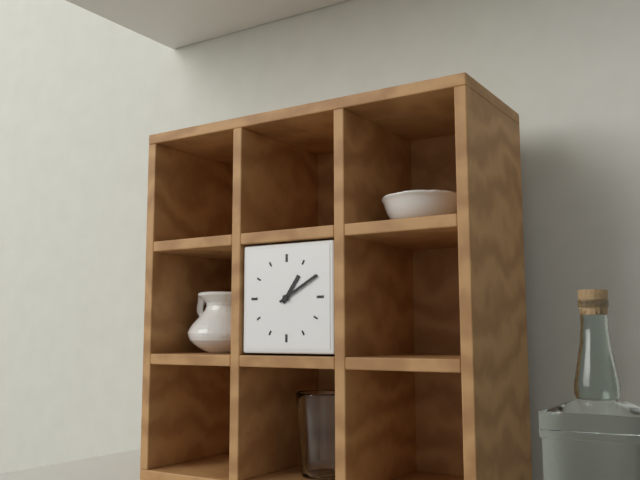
1:10
